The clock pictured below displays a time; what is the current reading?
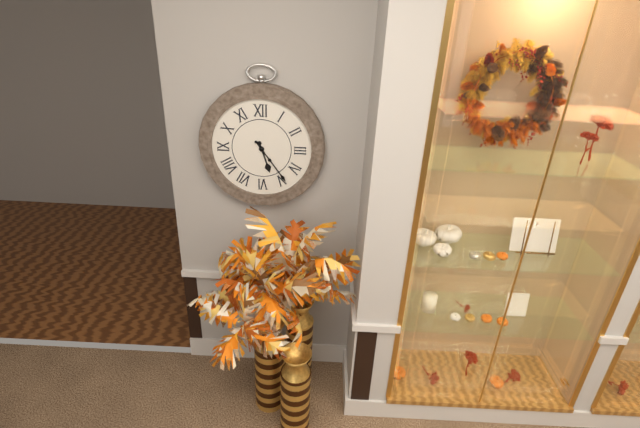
5:24
